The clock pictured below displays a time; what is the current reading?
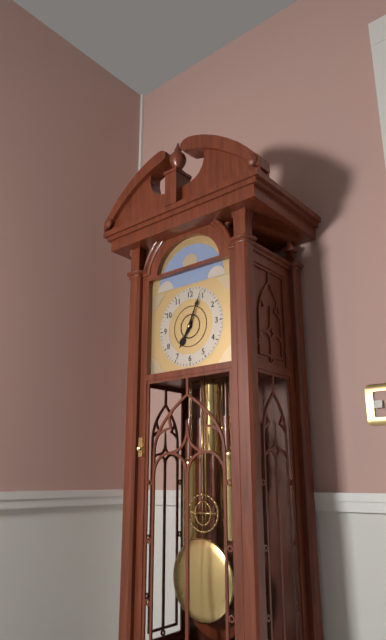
7:04
